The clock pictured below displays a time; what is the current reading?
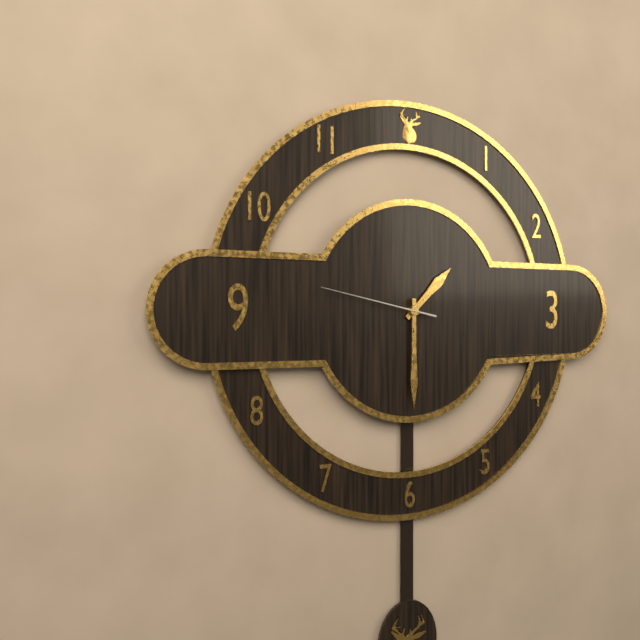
1:30:47
